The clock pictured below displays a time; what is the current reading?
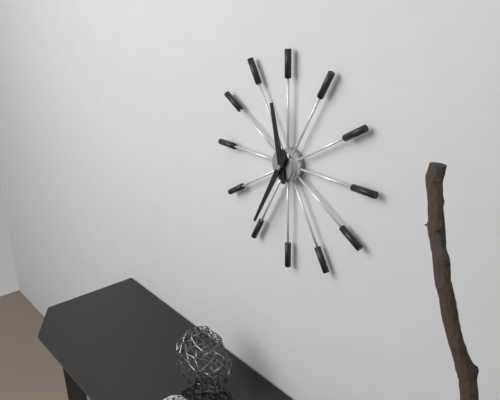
11:35
